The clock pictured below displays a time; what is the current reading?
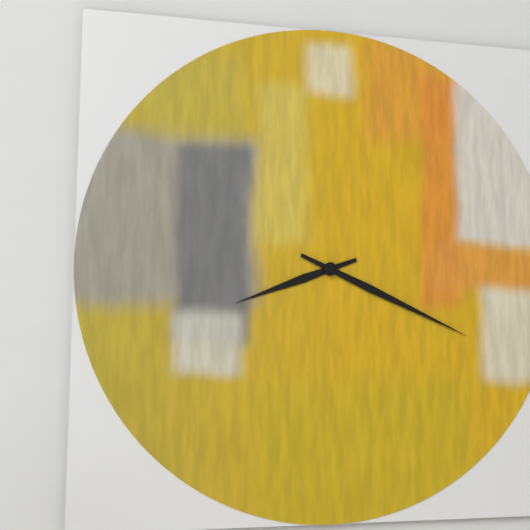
8:19
